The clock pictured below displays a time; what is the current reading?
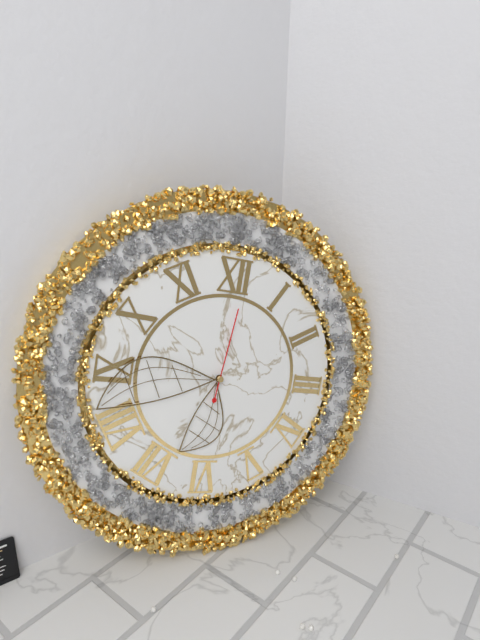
6:42:01
